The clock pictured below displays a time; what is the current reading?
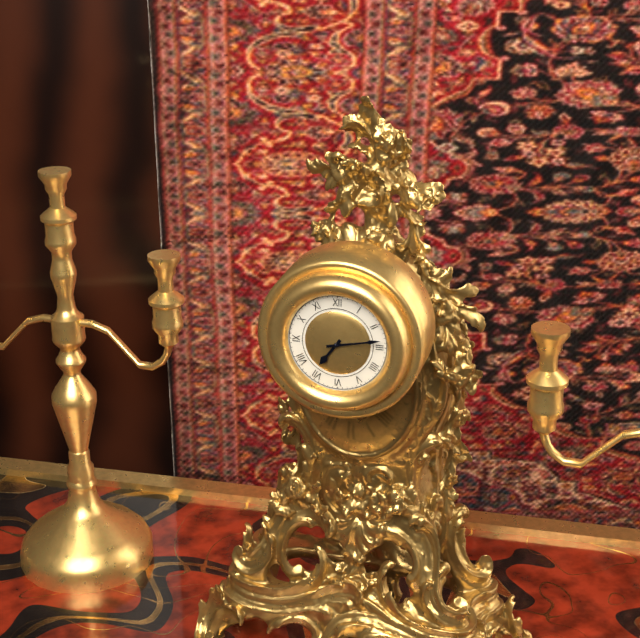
7:13
